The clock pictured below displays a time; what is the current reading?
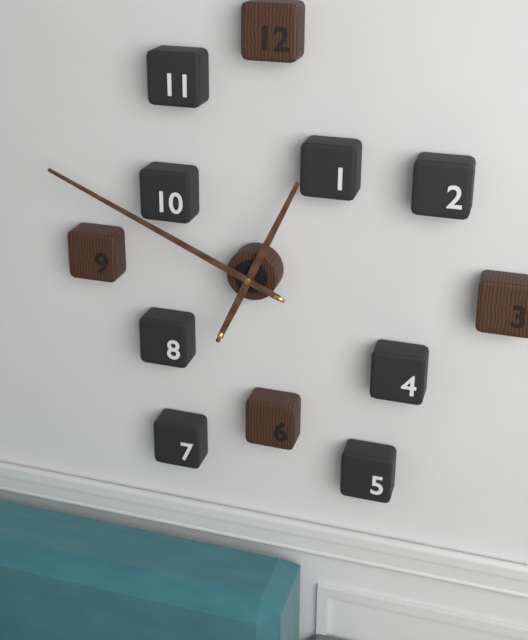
12:49
